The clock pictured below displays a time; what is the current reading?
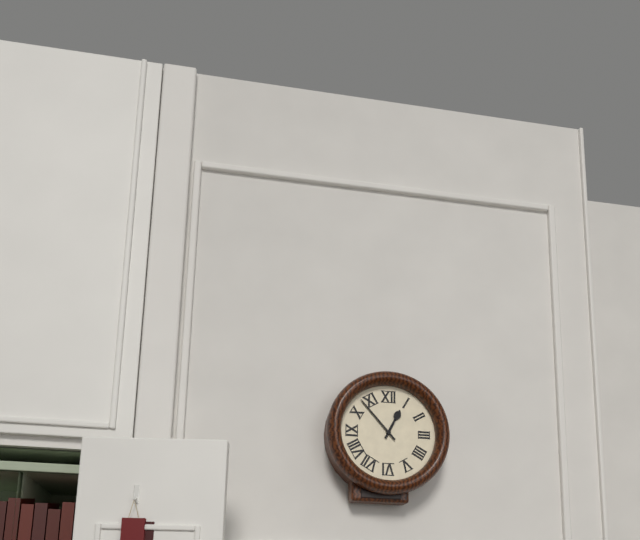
12:53
